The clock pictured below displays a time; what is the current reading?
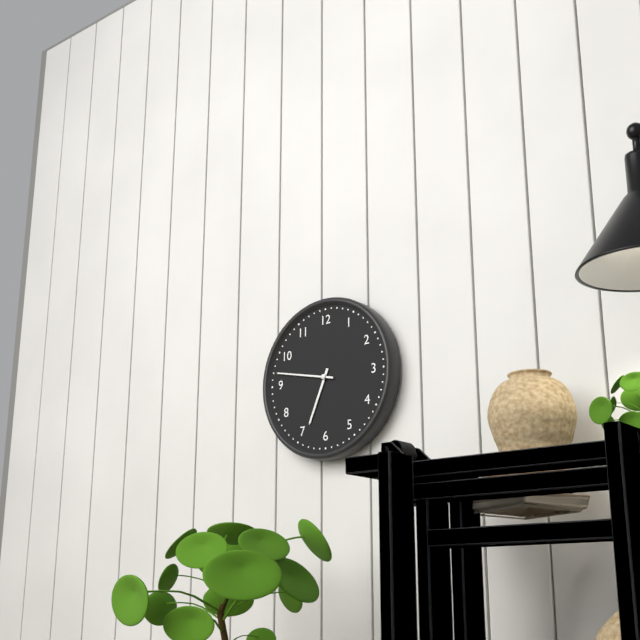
6:47
